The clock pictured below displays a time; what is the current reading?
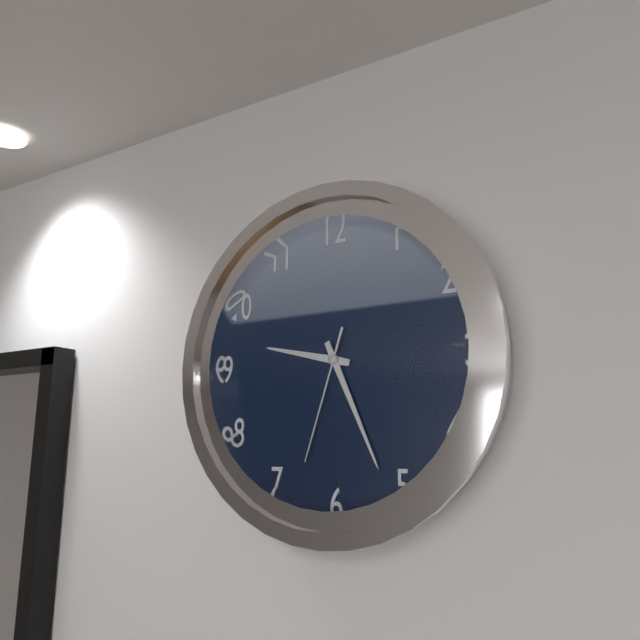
9:26:33
